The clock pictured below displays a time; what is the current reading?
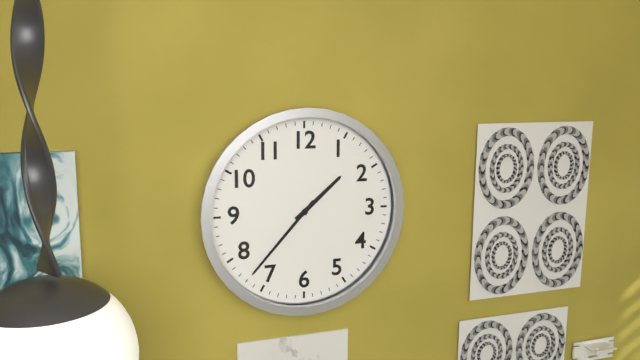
1:37
